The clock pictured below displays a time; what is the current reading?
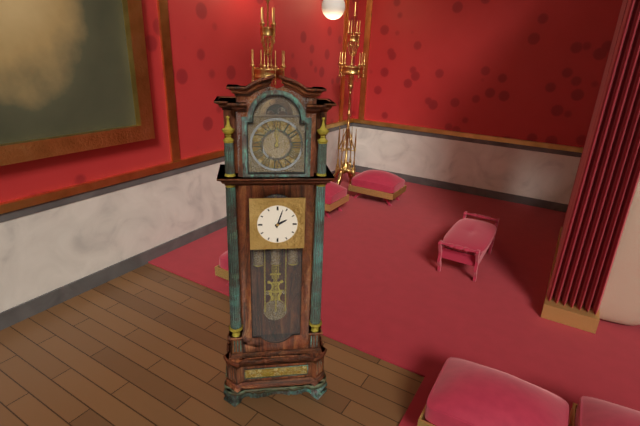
2:03
